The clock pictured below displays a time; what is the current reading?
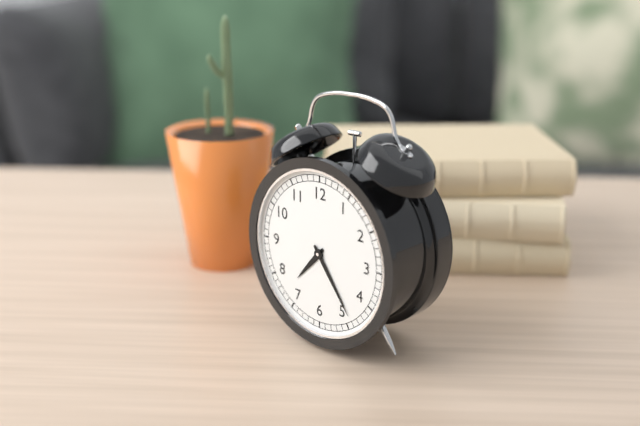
7:24
